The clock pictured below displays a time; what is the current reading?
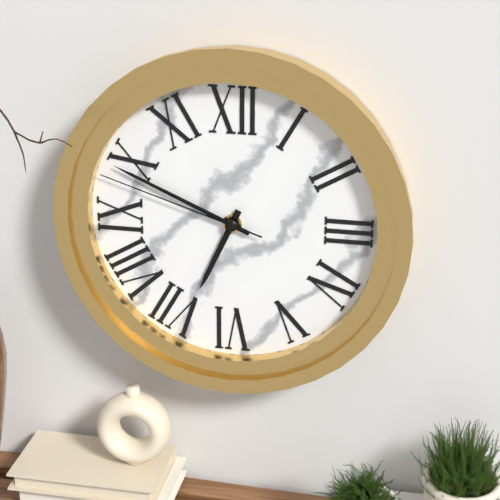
6:49:48
